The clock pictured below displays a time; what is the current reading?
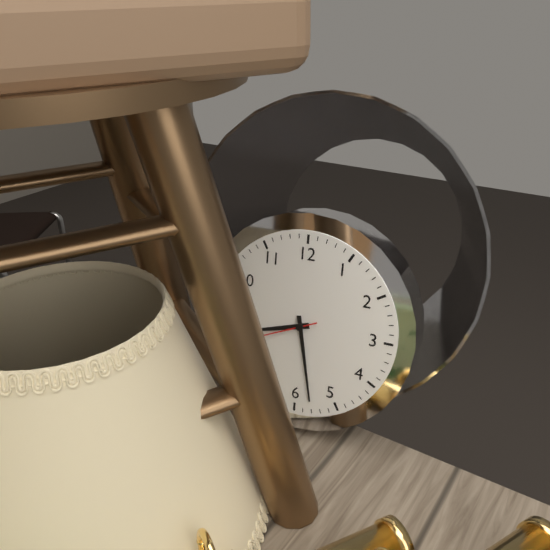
8:28
